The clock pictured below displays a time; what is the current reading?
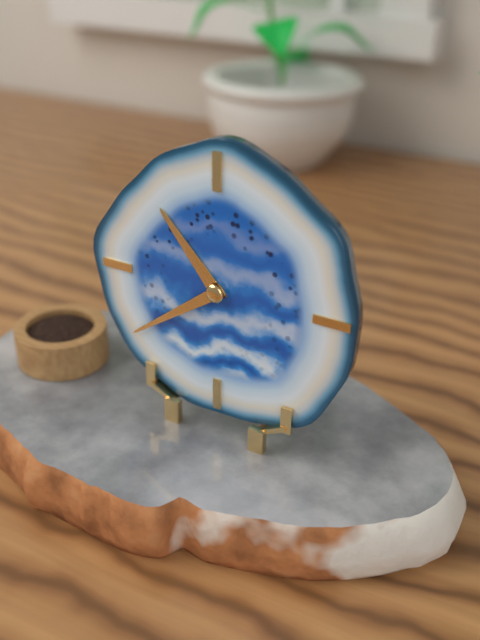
10:39
